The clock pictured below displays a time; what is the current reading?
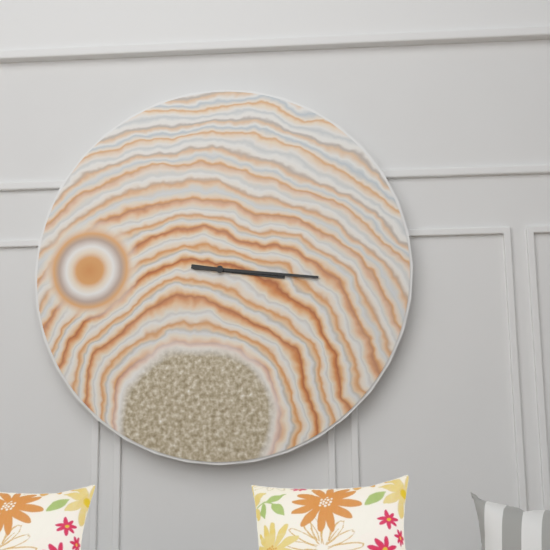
3:16
